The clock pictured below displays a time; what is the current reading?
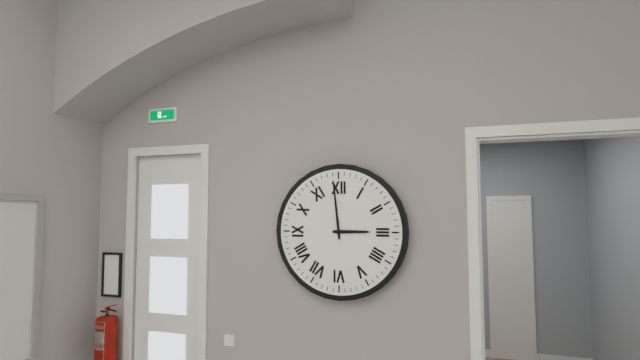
2:59
